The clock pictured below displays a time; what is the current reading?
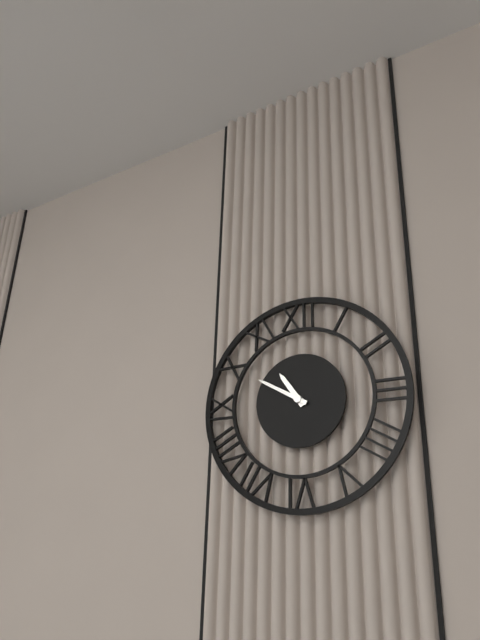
10:50
